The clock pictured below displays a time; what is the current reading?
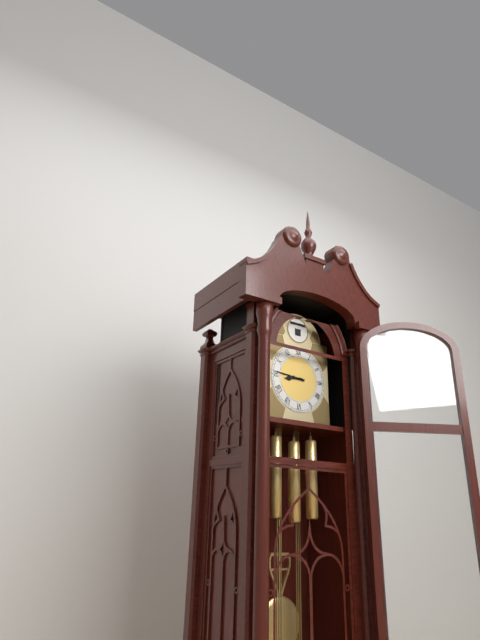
8:46
